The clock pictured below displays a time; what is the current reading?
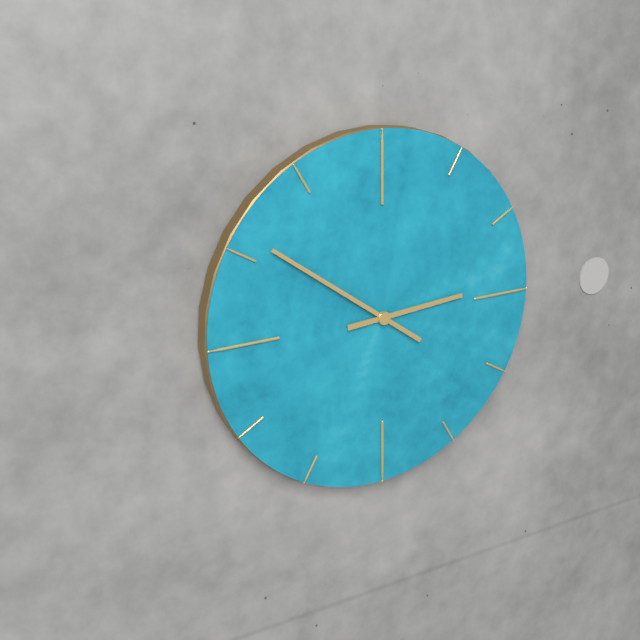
2:51
